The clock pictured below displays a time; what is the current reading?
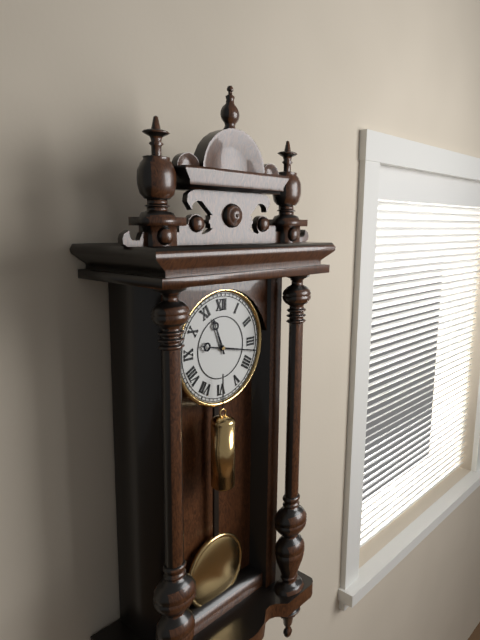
11:17
